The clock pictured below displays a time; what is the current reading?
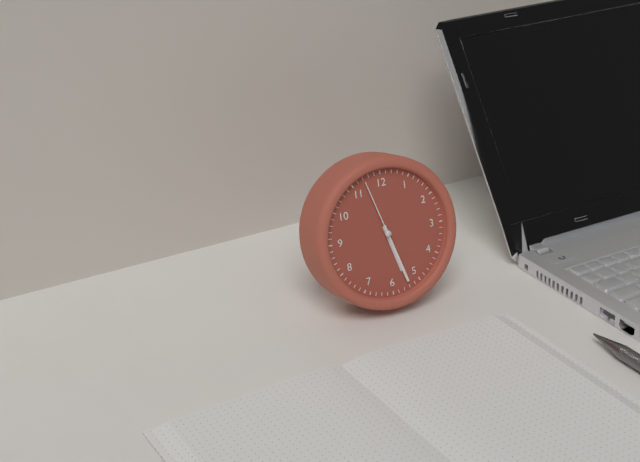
5:27:57
